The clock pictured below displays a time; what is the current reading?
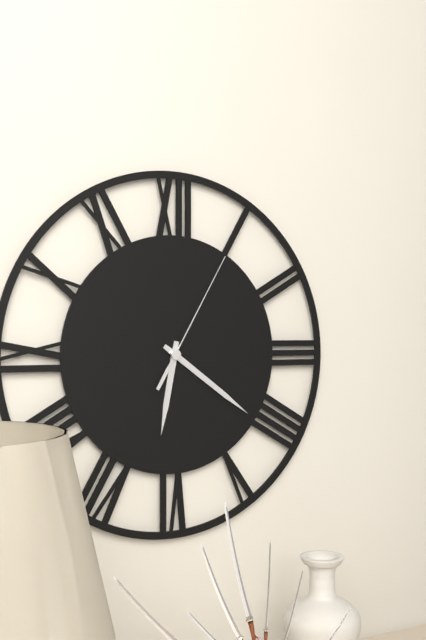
6:21:05
